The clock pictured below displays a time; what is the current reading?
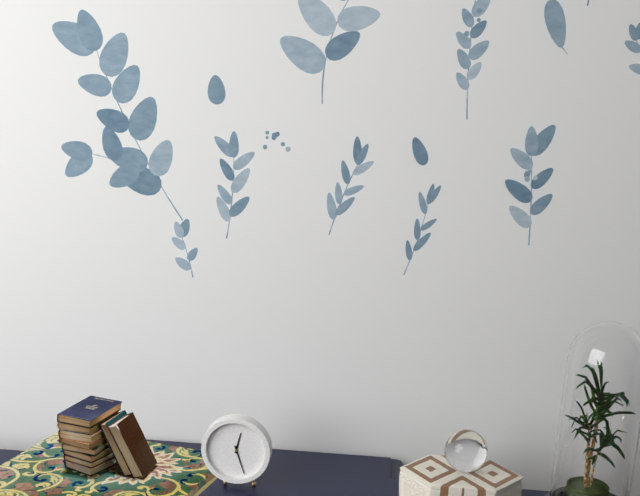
12:27
